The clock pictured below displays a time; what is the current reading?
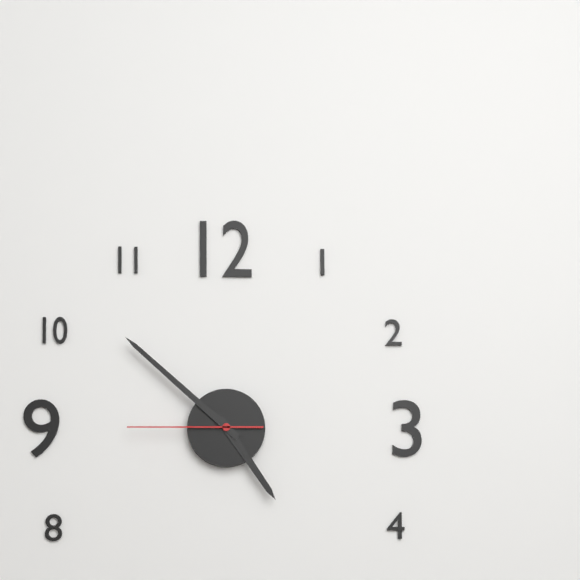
4:52:45
